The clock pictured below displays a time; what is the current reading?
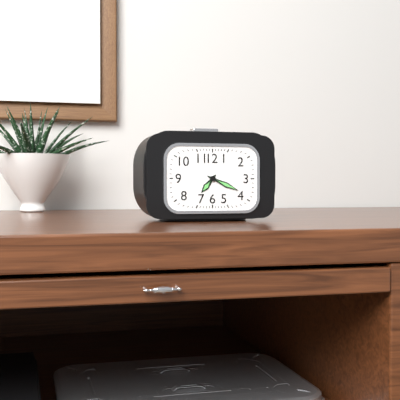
7:19
